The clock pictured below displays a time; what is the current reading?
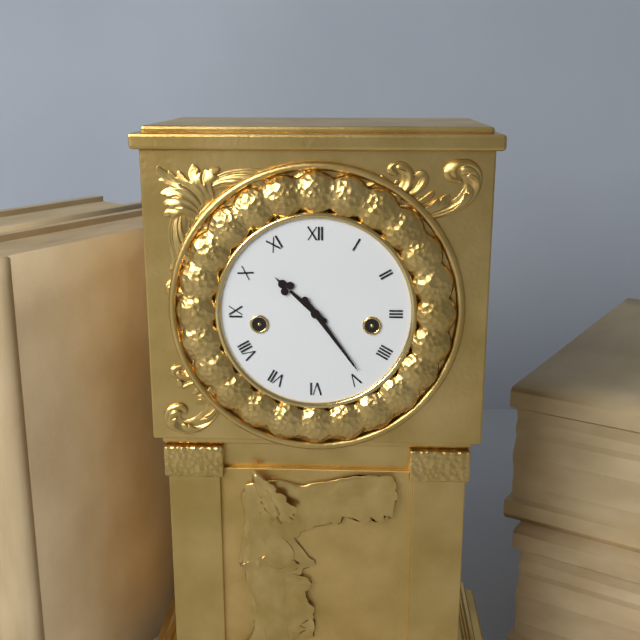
10:24
